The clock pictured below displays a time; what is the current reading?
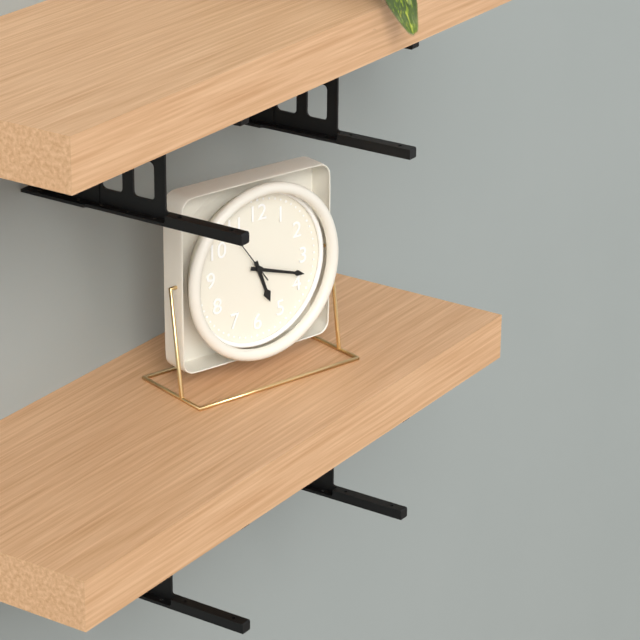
5:18
